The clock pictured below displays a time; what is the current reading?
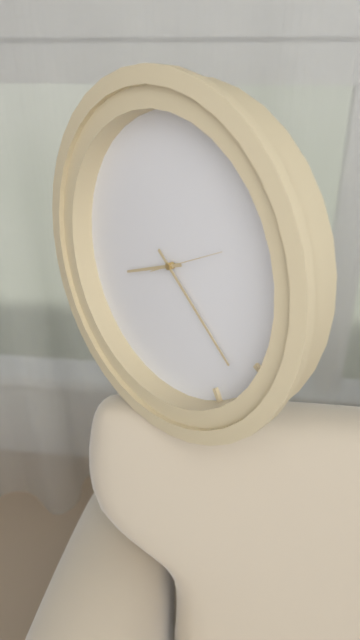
8:22:11
